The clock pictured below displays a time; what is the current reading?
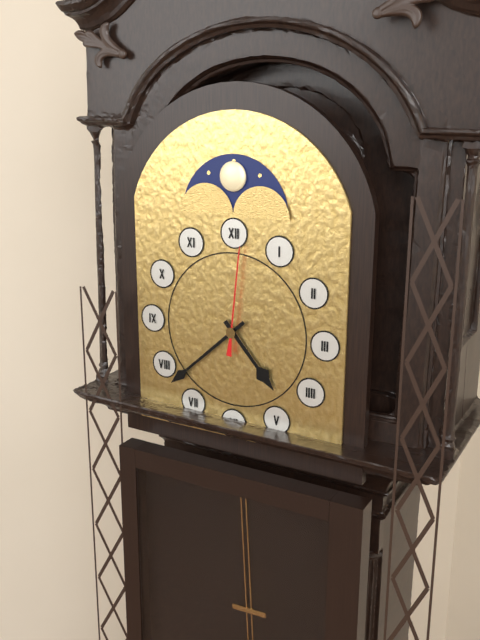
4:38:01
